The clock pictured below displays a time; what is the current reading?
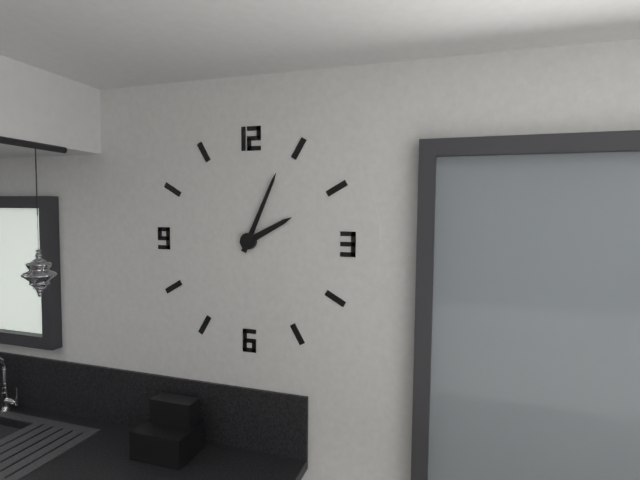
2:04
